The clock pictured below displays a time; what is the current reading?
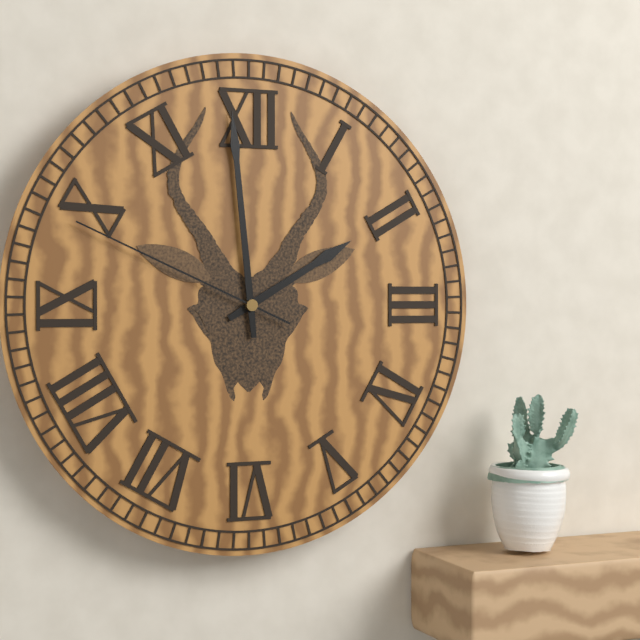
1:59:49
